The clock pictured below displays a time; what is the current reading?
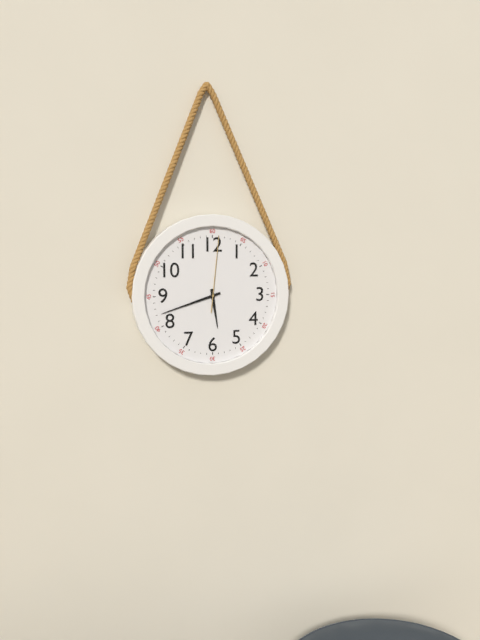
5:42:01
